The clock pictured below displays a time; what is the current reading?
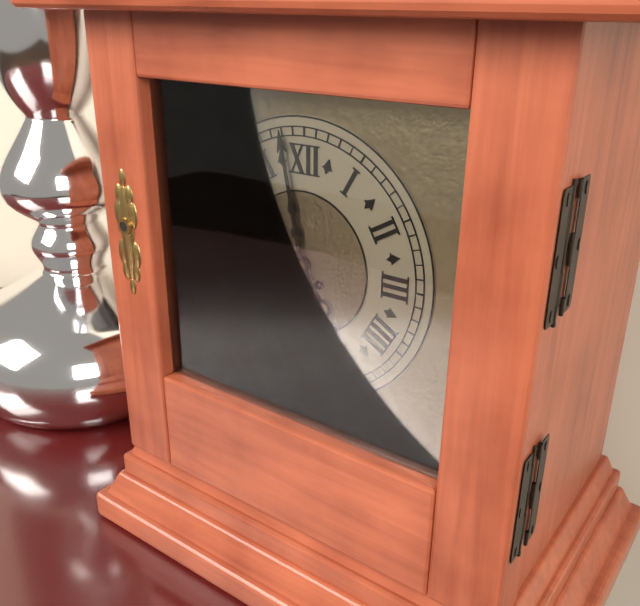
4:58
